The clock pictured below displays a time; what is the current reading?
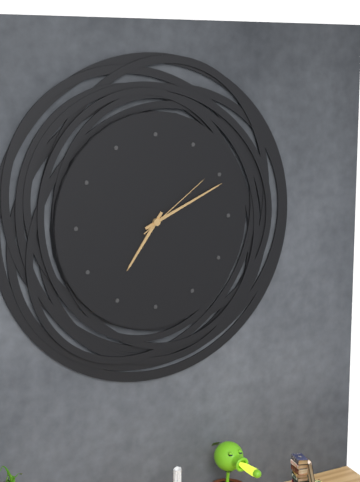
7:11:09
